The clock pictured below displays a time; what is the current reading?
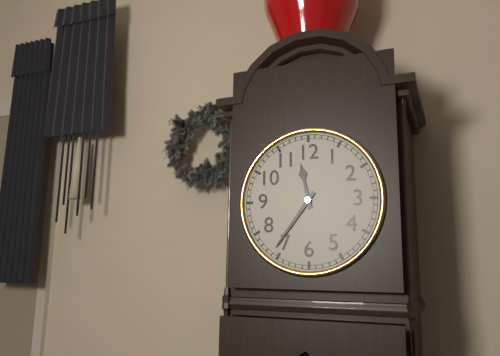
11:36
